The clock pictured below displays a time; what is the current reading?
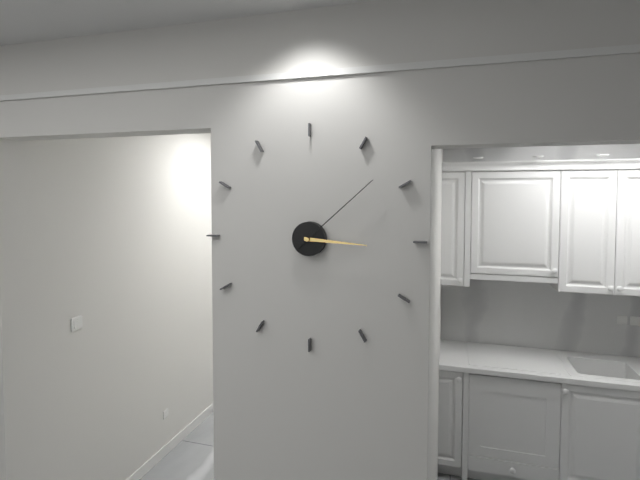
3:08
